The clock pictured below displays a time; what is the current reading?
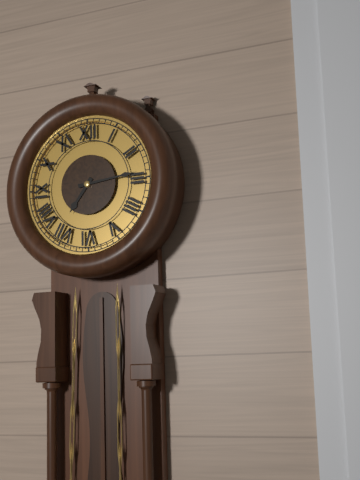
7:14
